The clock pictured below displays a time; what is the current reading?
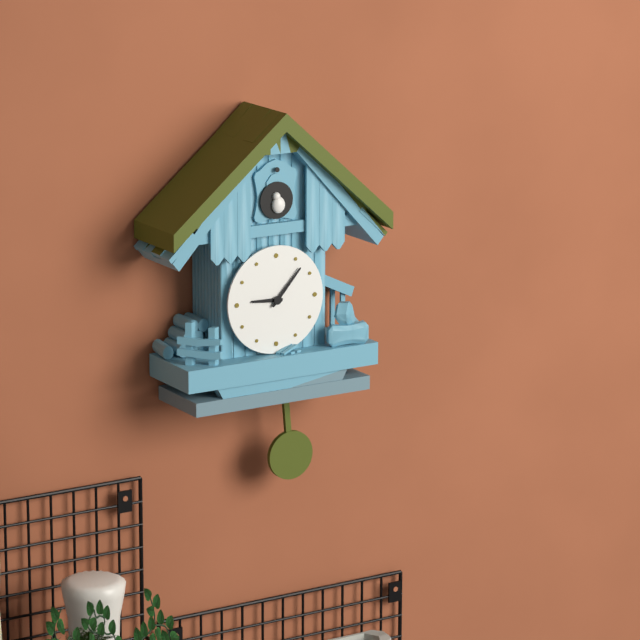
9:07
